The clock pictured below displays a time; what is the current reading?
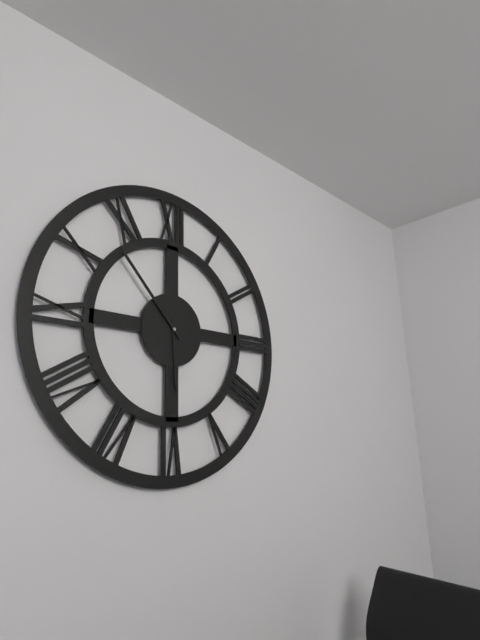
5:53
